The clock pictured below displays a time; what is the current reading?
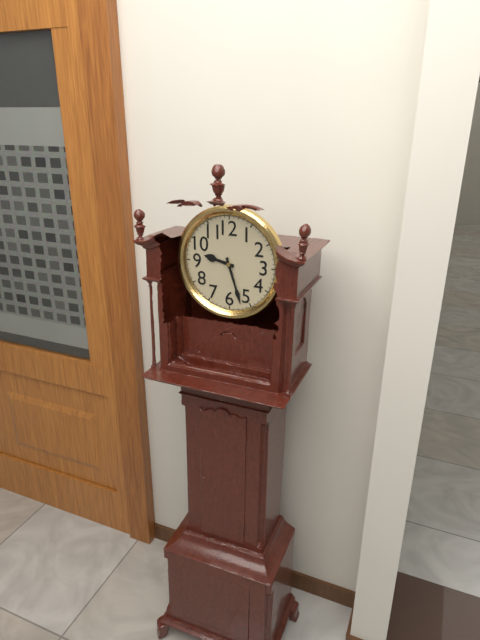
9:27
